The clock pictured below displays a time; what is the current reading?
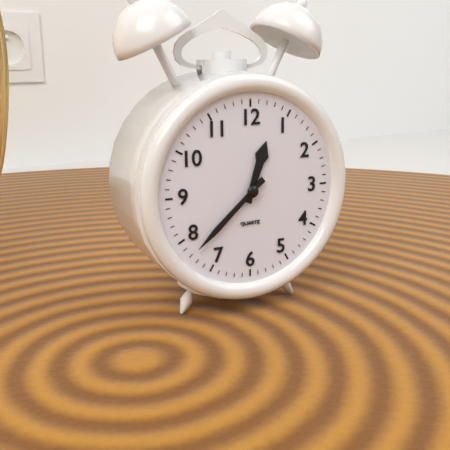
12:38
